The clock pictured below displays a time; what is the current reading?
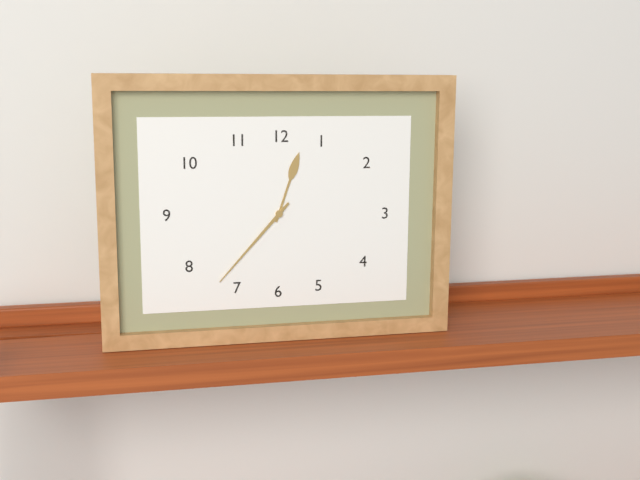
12:37
